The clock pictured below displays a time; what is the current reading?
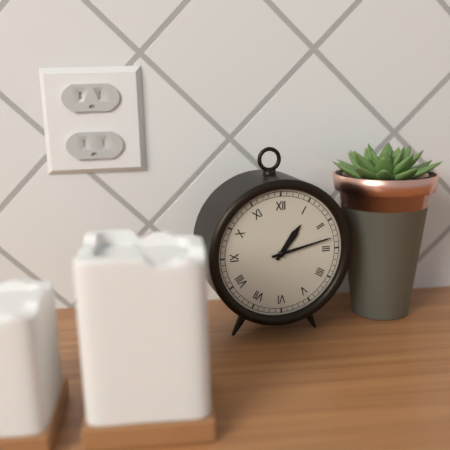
1:13
